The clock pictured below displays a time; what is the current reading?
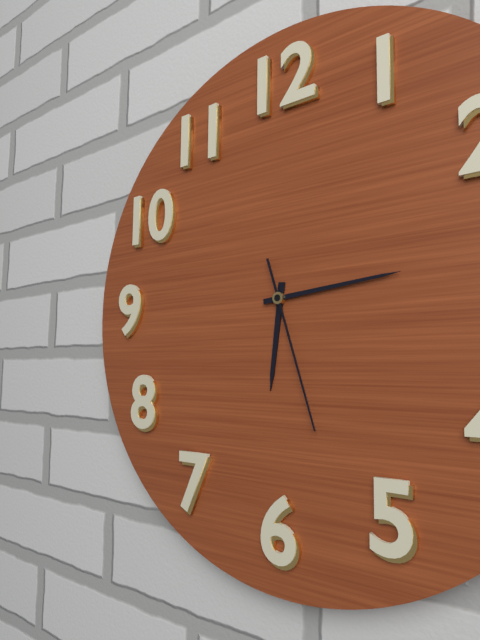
6:14:27
